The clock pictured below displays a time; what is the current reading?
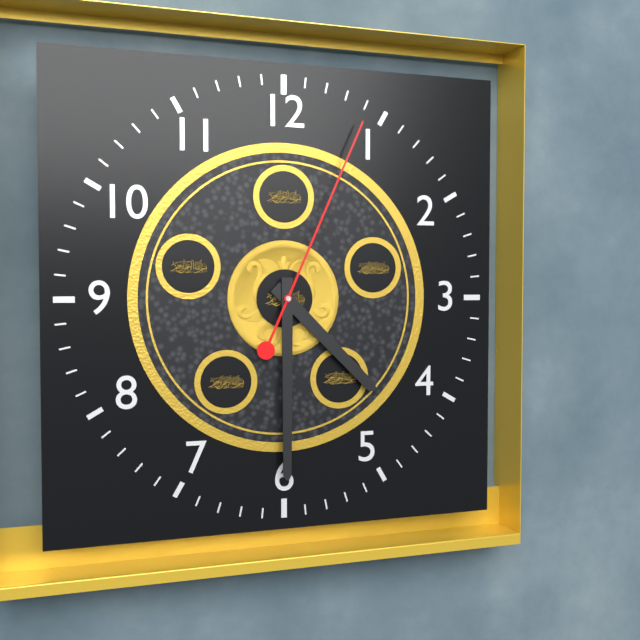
4:30:04
